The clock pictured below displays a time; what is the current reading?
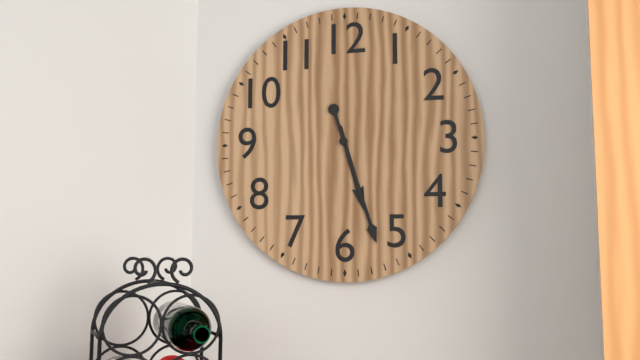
5:27
